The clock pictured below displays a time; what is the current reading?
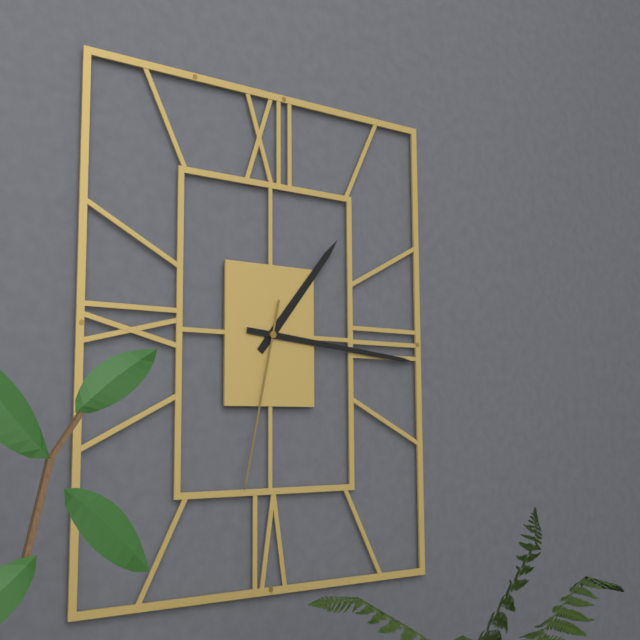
1:16:32
